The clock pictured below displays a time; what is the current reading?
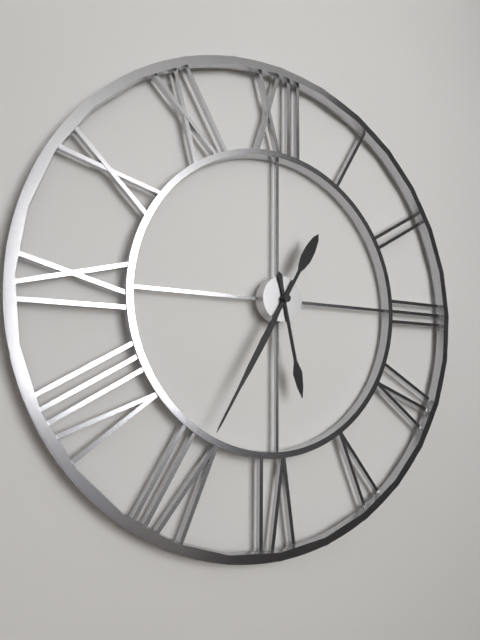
5:35
